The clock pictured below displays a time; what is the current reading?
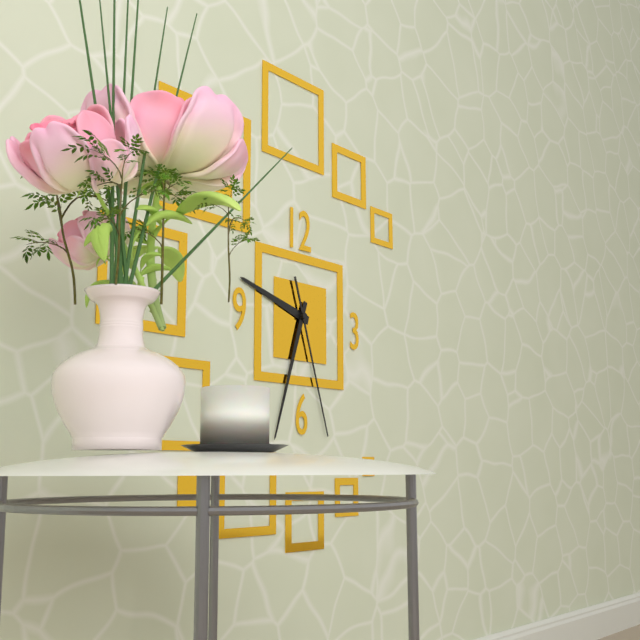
9:33:27
